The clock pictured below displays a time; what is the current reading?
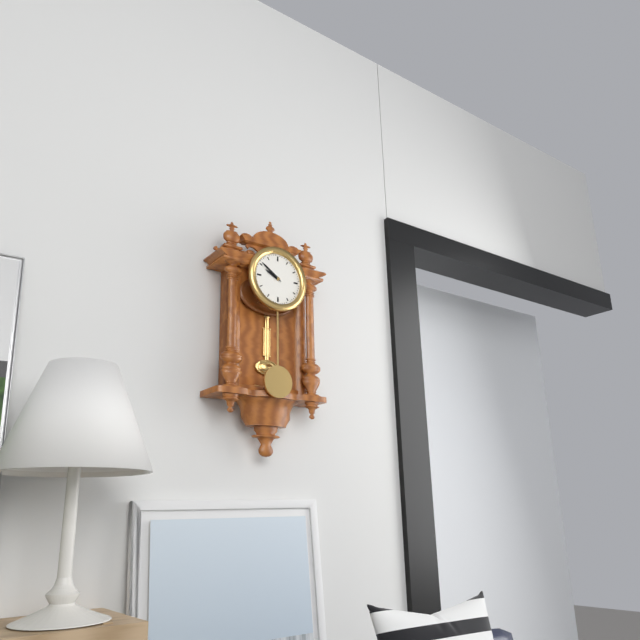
9:51
